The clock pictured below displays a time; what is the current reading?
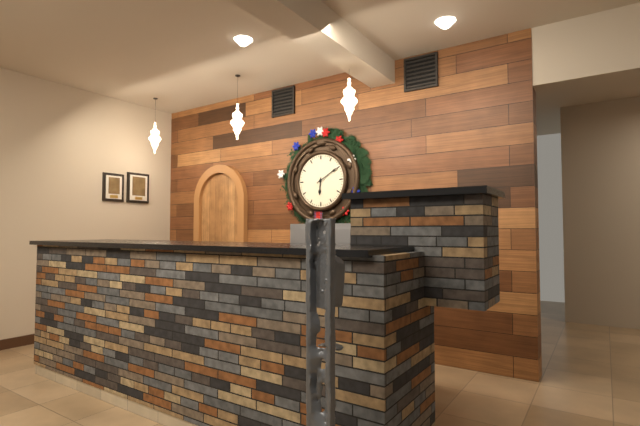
6:10
